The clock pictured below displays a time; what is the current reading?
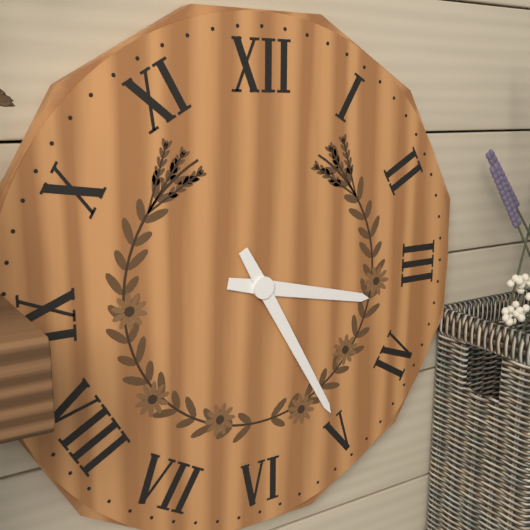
3:25
